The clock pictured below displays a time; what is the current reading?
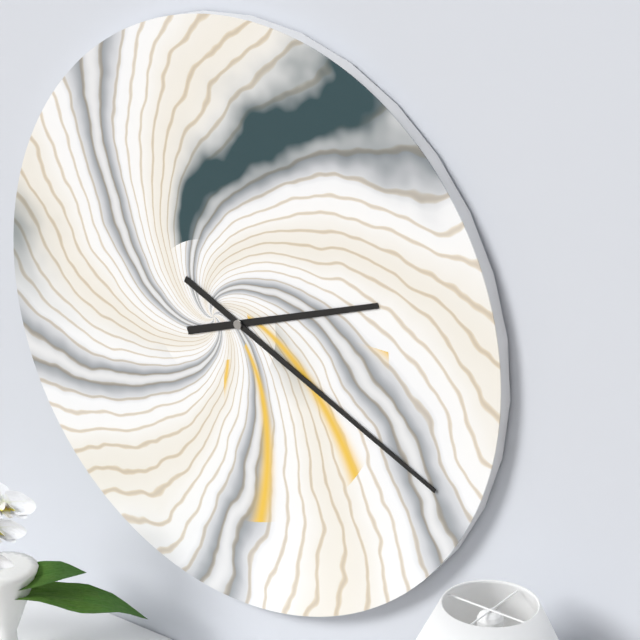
2:19
